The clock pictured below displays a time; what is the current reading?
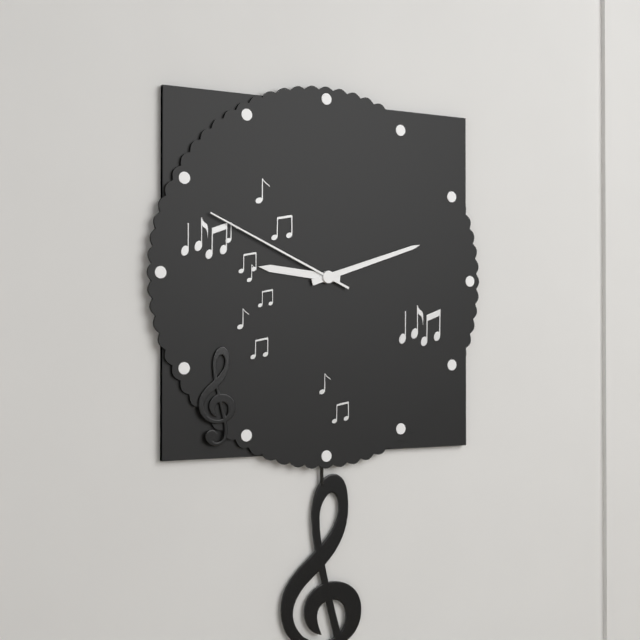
9:12:49
